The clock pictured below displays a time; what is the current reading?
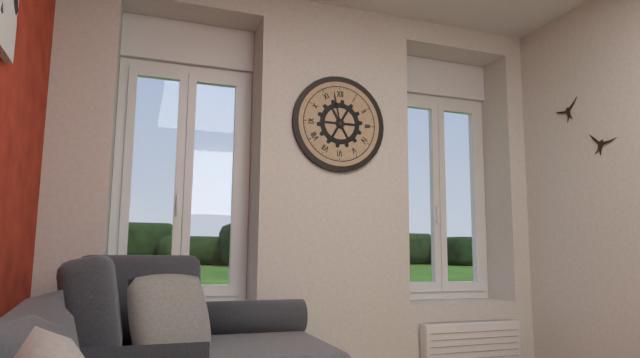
6:58
